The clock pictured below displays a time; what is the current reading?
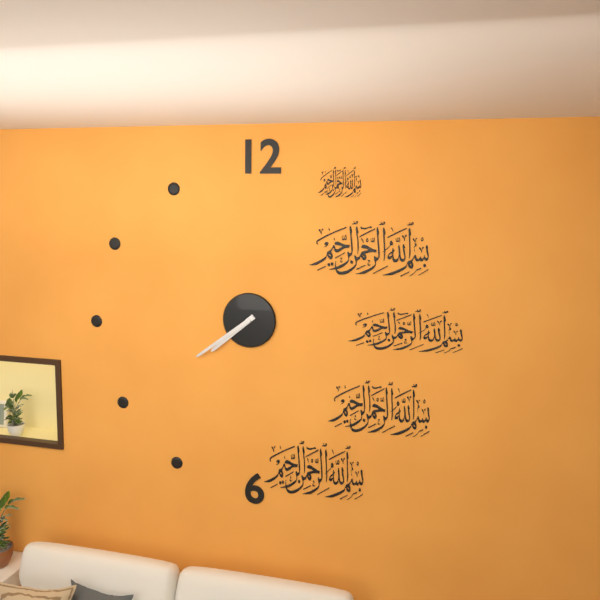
7:39
